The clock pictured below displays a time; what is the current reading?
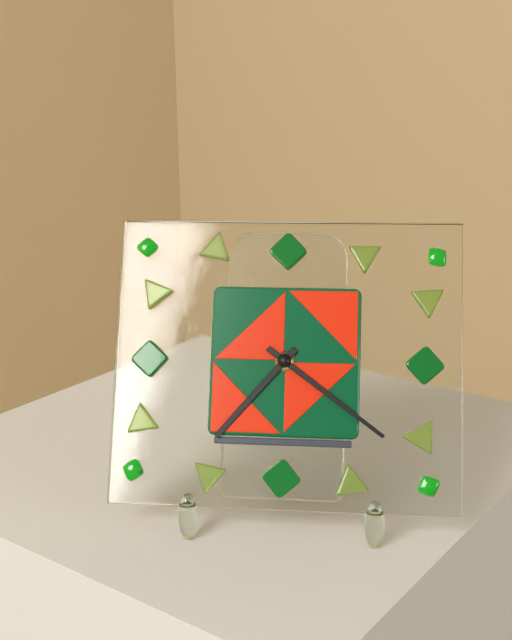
7:21
